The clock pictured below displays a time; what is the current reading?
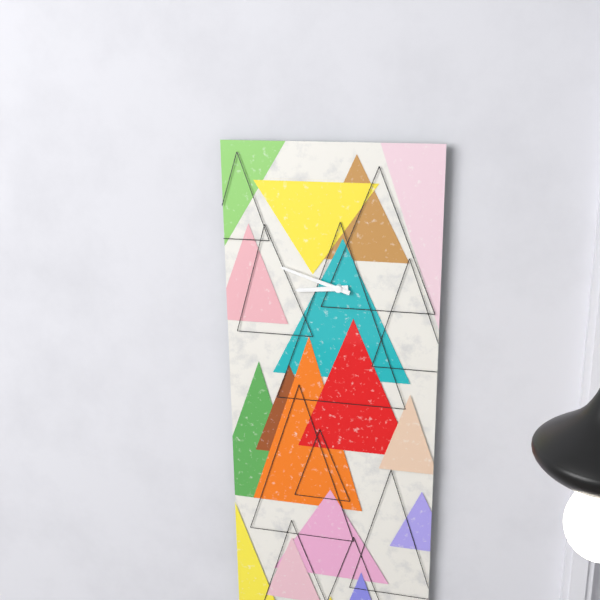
8:48
